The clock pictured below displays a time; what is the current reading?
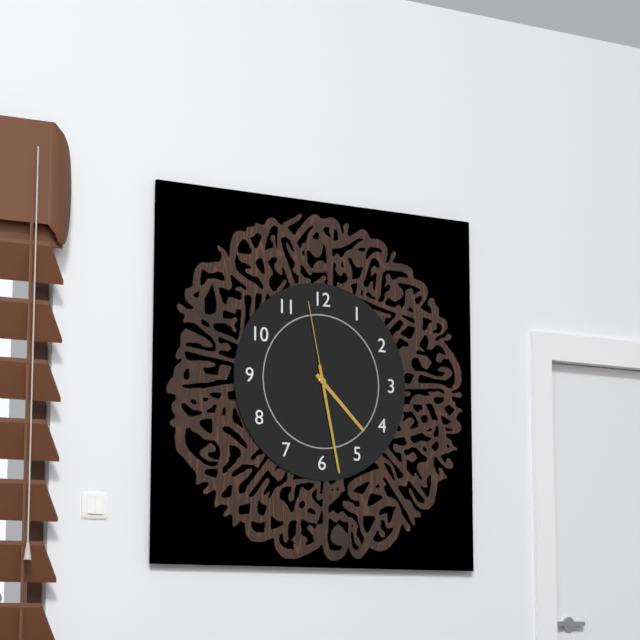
4:28:58
